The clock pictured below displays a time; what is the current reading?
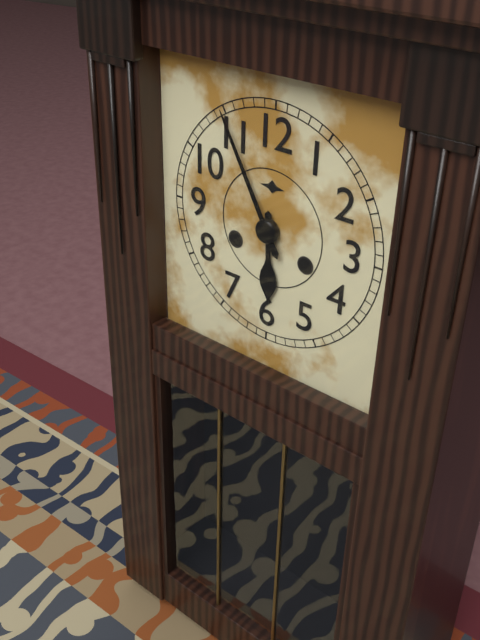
5:55
